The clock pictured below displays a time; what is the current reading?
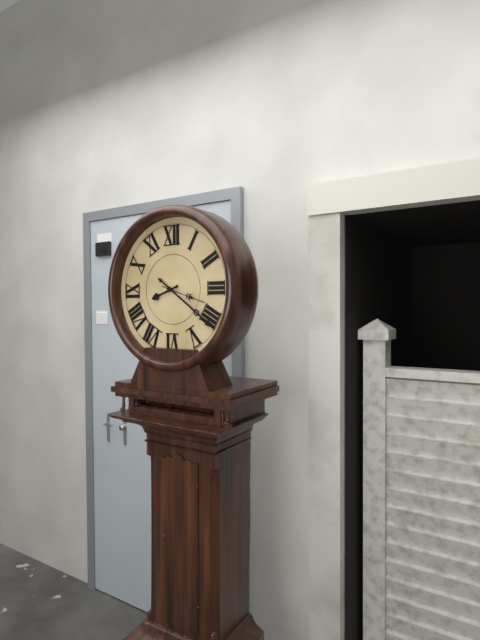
8:21
